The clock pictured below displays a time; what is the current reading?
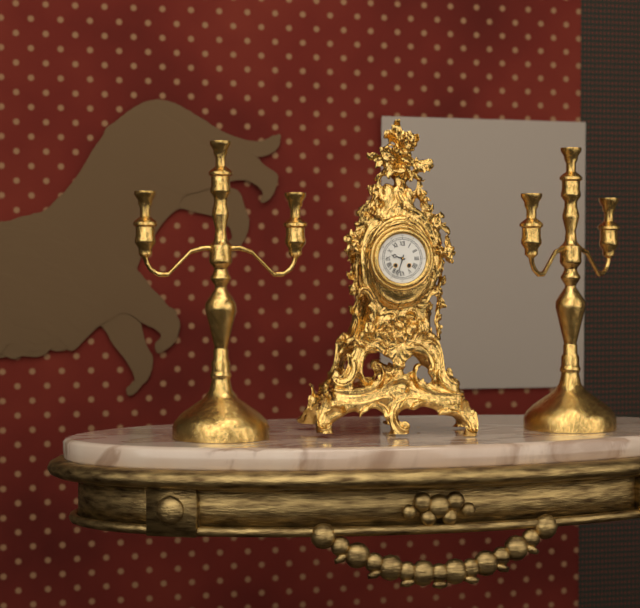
9:33
